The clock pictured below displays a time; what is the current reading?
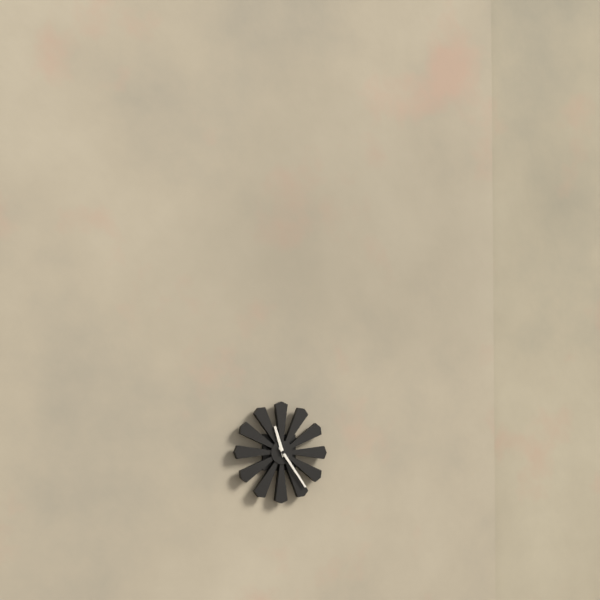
11:24
